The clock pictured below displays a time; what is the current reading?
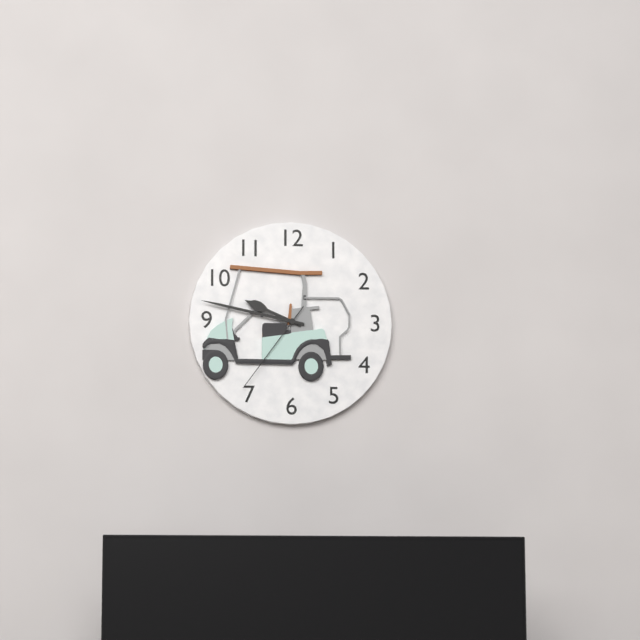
9:47:36
